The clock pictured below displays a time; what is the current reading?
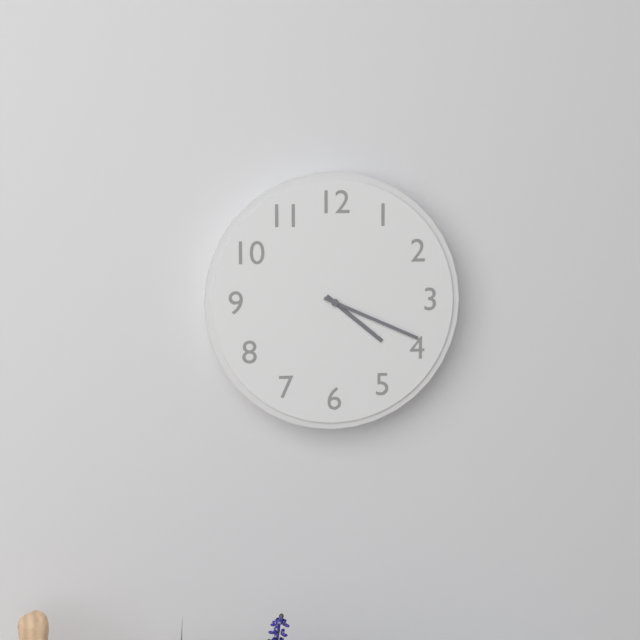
4:19
